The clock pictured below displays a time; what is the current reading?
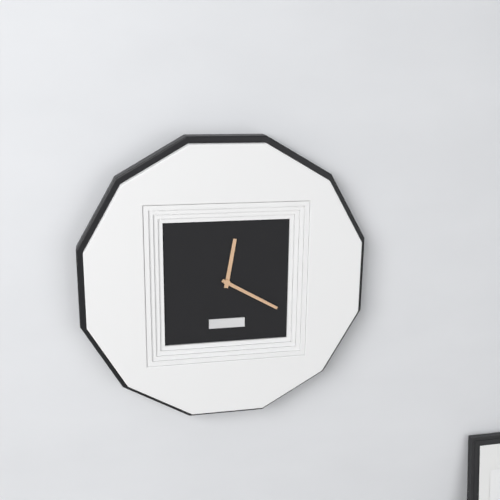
12:20
